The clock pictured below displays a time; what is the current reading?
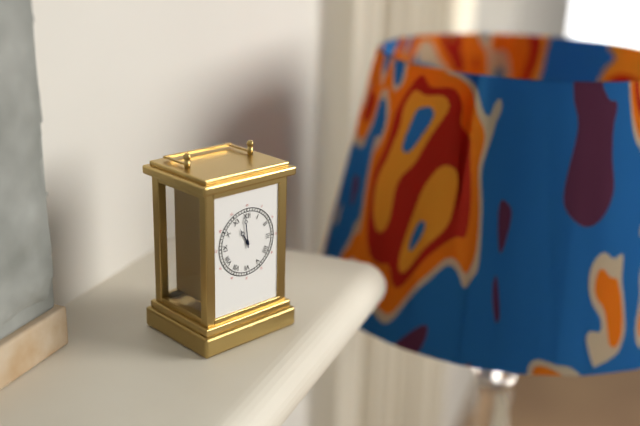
10:59
